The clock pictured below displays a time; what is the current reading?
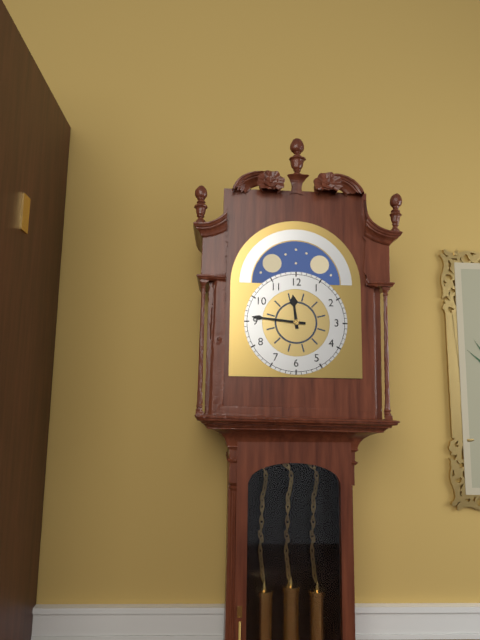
11:46
